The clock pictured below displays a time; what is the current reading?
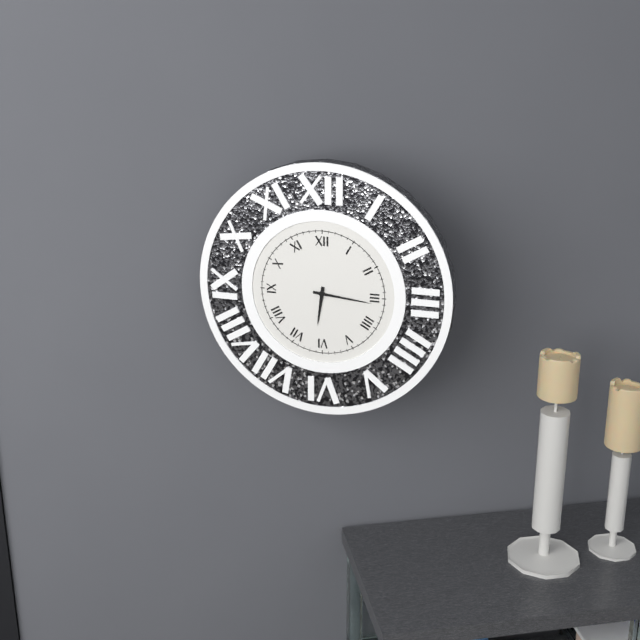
6:16
